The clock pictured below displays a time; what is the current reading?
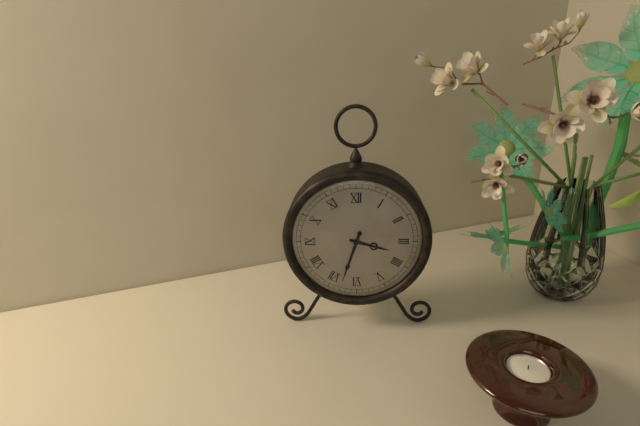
3:33
